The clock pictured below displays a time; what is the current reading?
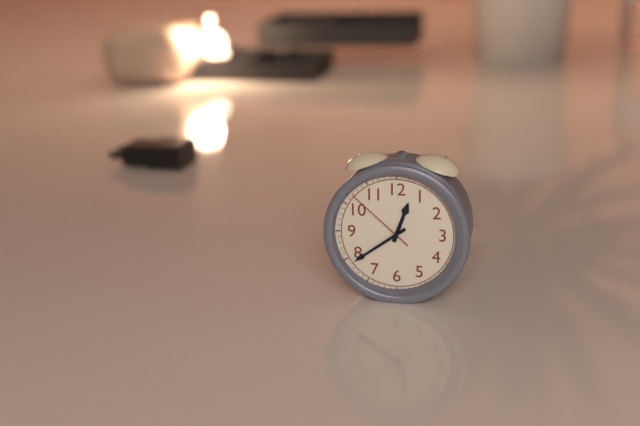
12:39:52
